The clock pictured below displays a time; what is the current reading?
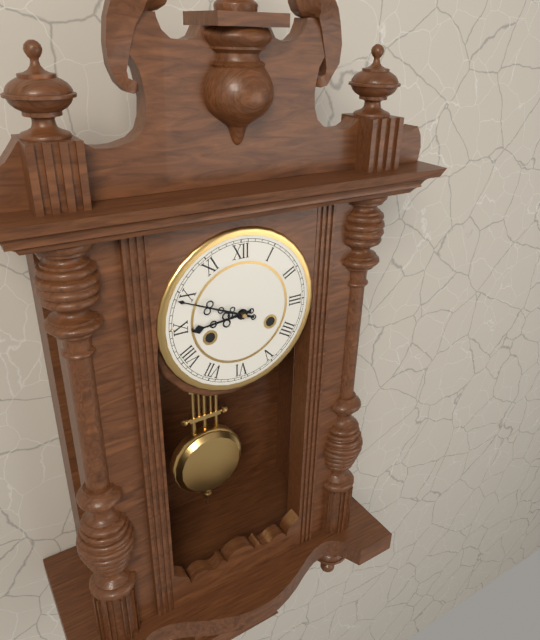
8:49
